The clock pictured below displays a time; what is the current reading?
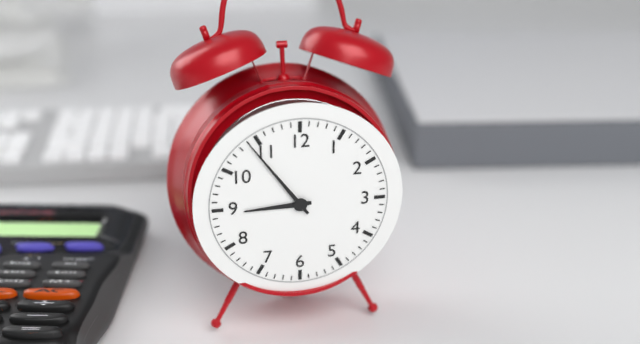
8:54
